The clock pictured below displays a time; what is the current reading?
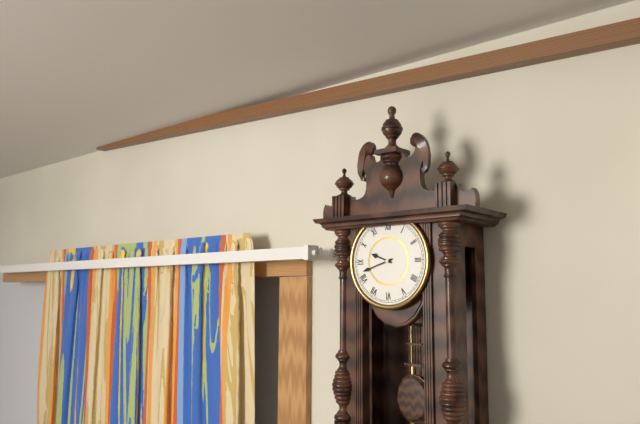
9:42
